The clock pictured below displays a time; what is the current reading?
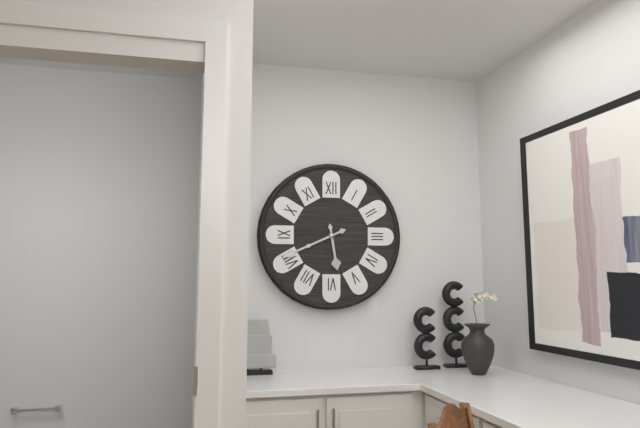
5:41
